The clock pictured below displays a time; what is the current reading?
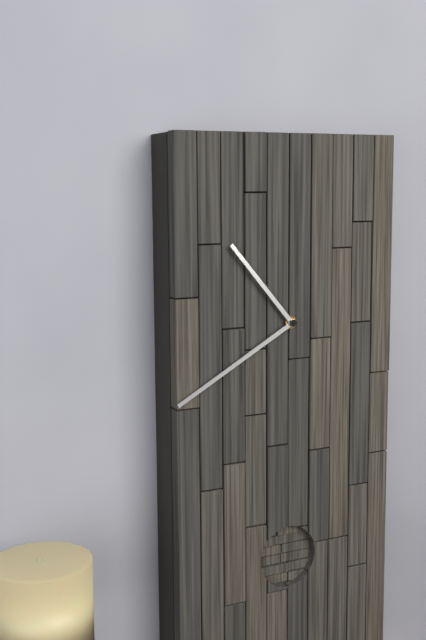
10:40
